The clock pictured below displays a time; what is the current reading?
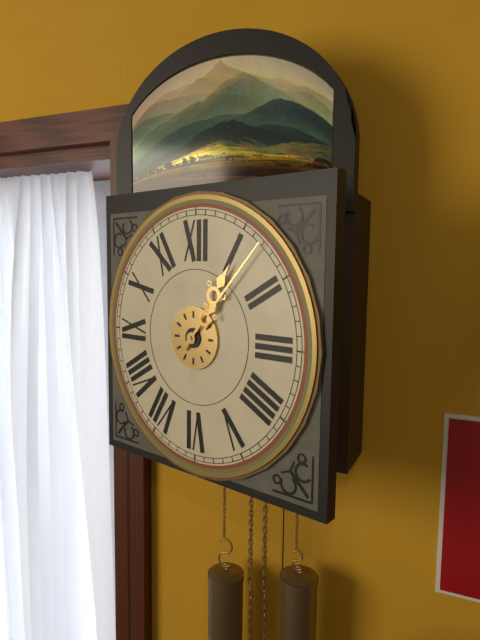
1:07
